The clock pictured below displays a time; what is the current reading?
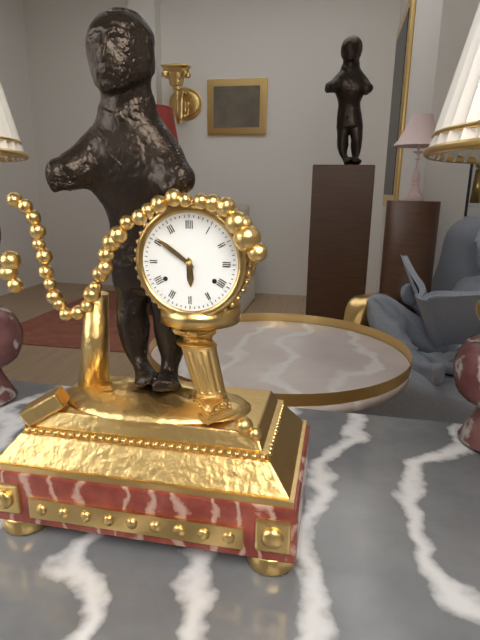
5:51
